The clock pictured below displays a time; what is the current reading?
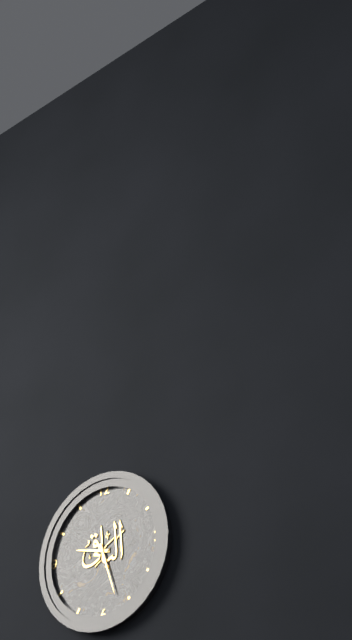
9:27
